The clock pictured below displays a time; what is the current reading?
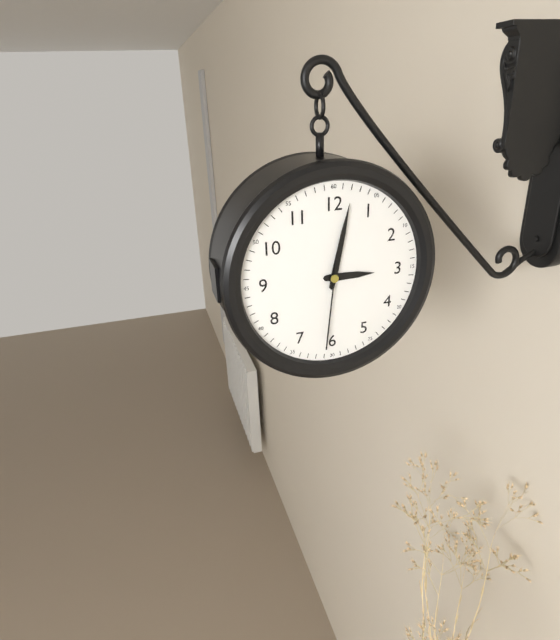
3:02:31
